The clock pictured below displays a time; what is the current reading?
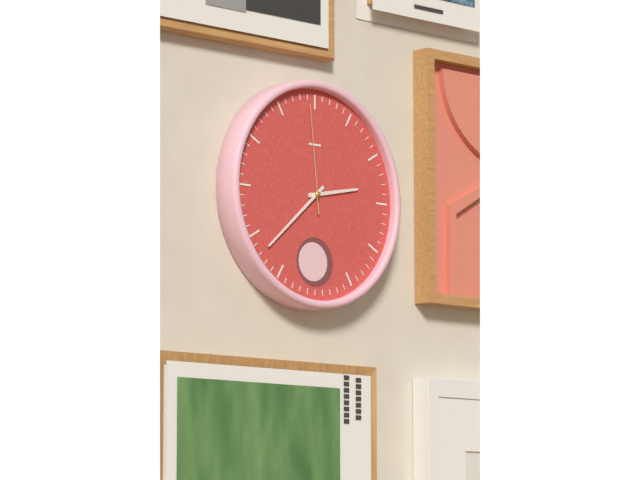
2:38:59
